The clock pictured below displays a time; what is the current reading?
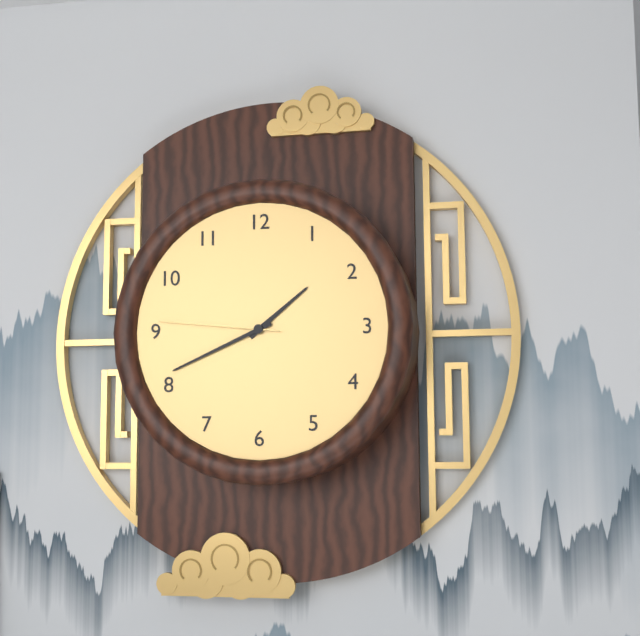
1:41:46
